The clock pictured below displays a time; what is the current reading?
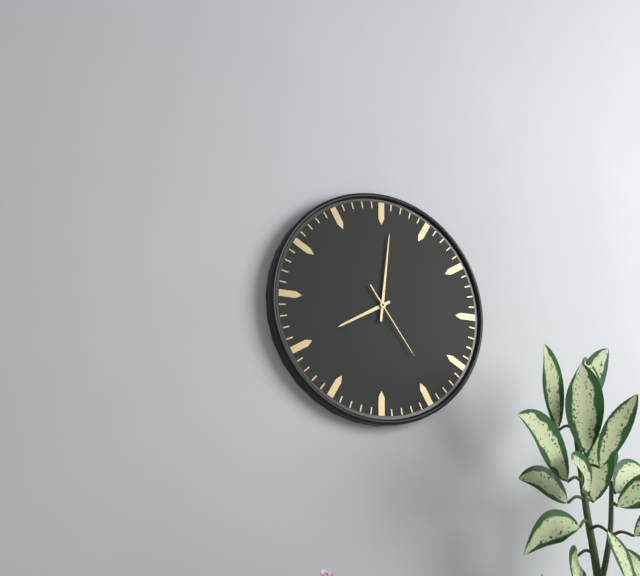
8:01:24
